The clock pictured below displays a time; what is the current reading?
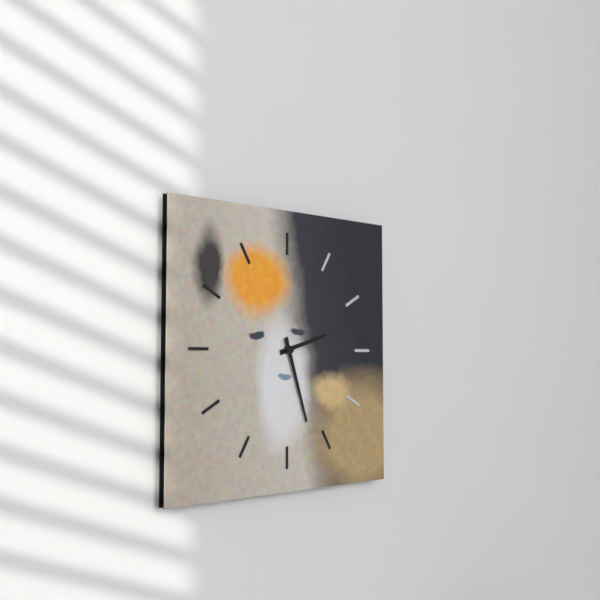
2:27
